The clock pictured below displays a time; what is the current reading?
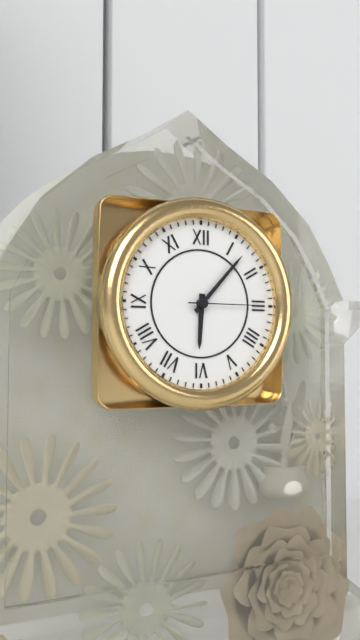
6:07:15
